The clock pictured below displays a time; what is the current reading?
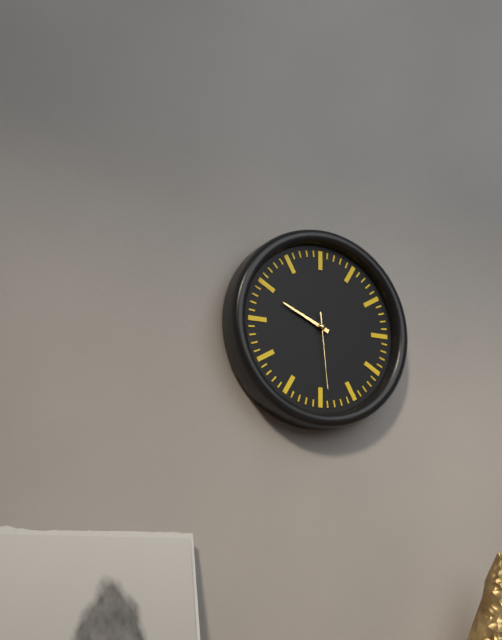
9:49:29
